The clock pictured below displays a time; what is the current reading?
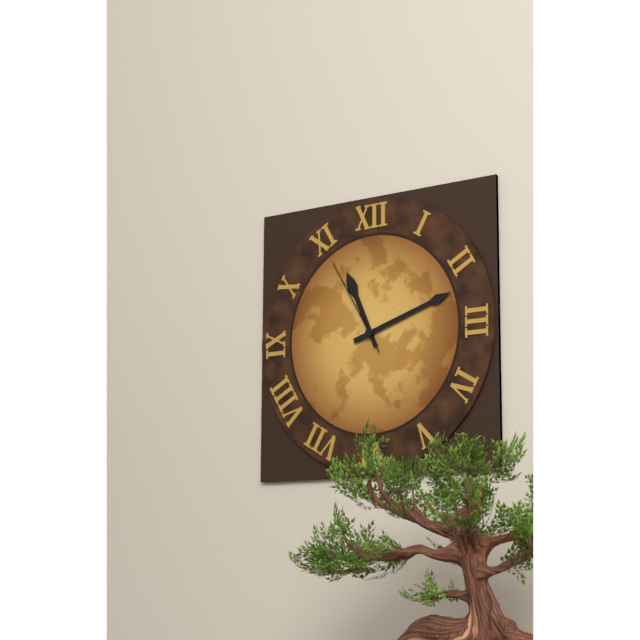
11:12:55
